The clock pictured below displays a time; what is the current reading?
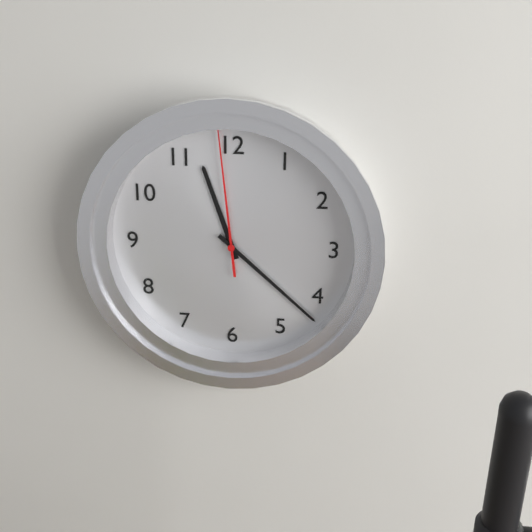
11:22:59
